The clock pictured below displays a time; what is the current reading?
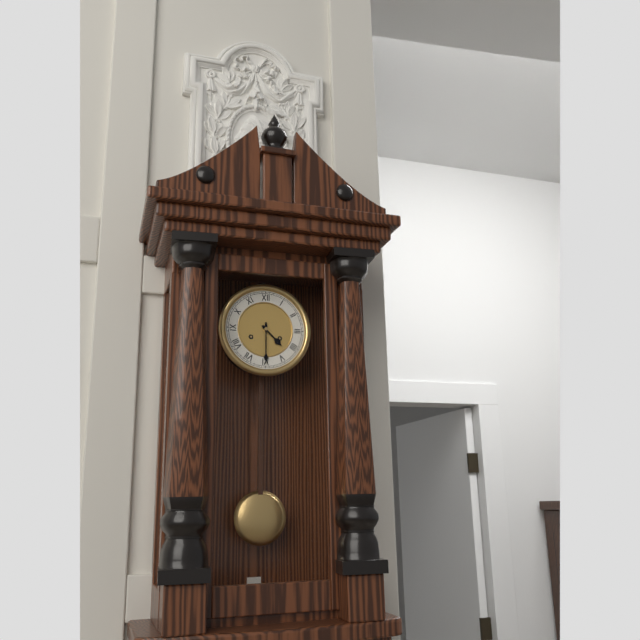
4:30
